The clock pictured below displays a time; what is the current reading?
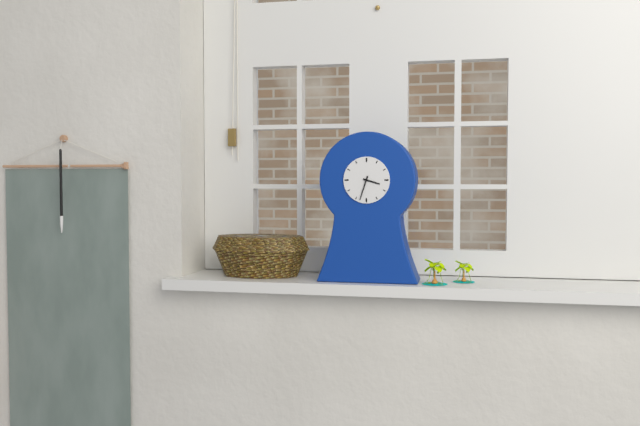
3:33
